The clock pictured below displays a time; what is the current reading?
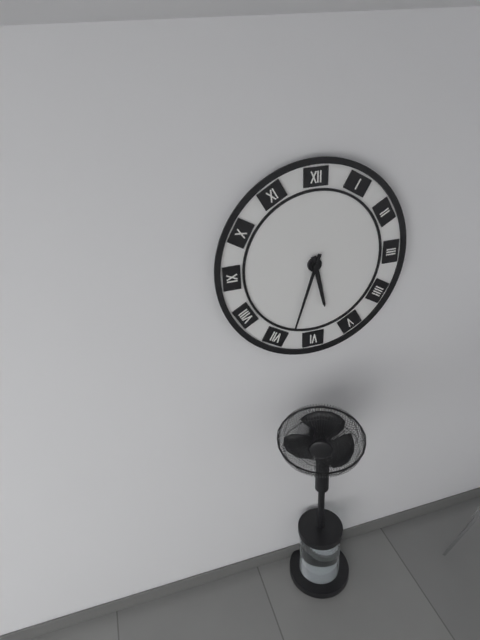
5:33
